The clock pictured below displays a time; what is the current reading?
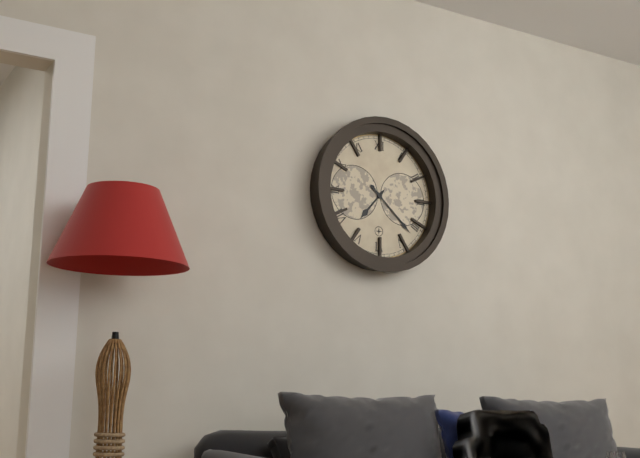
7:22
